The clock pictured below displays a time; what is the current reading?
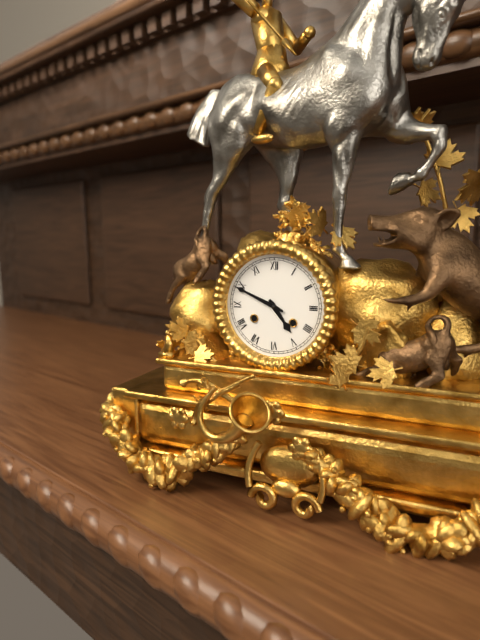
4:49
